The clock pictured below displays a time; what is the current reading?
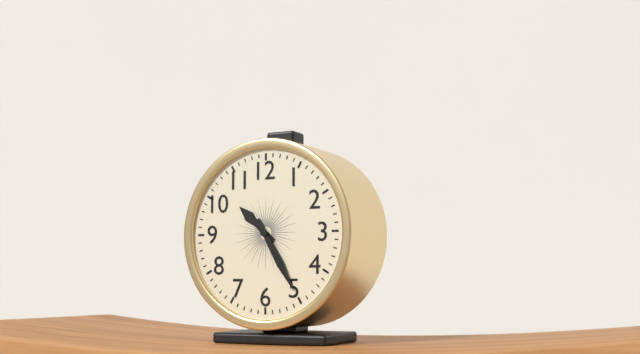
10:25
